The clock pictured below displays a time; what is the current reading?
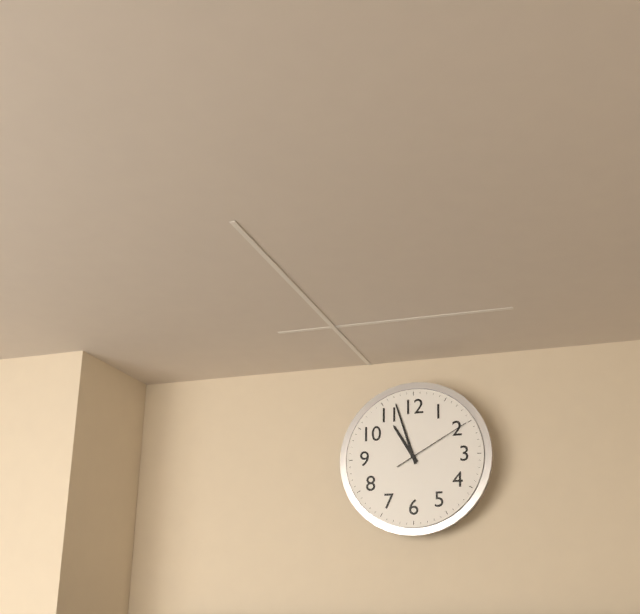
10:57:10
